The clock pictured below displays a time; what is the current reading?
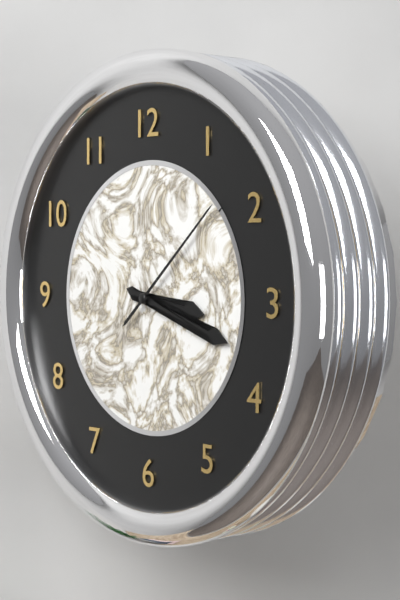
3:18:08
